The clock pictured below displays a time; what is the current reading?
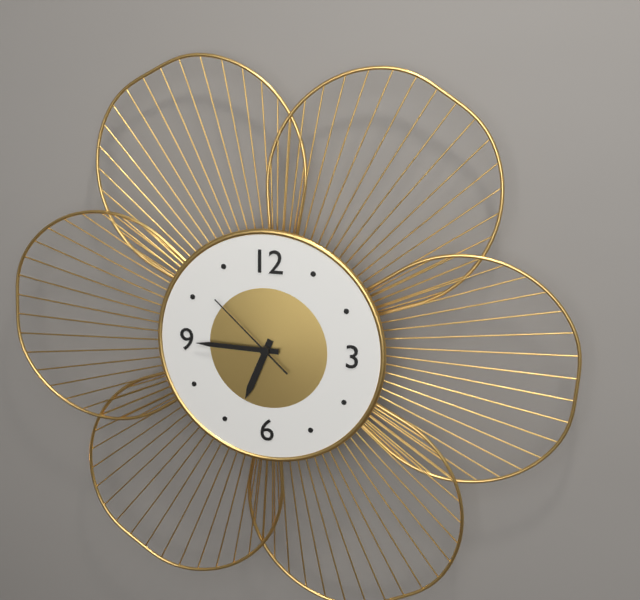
6:45:52
